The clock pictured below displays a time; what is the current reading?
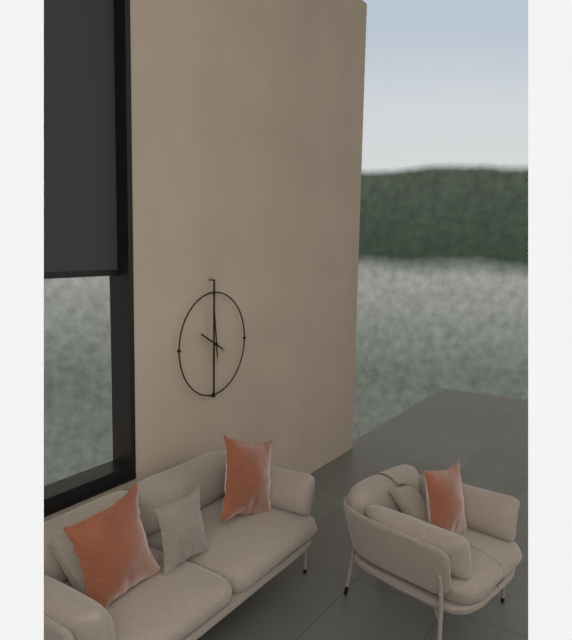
9:59
